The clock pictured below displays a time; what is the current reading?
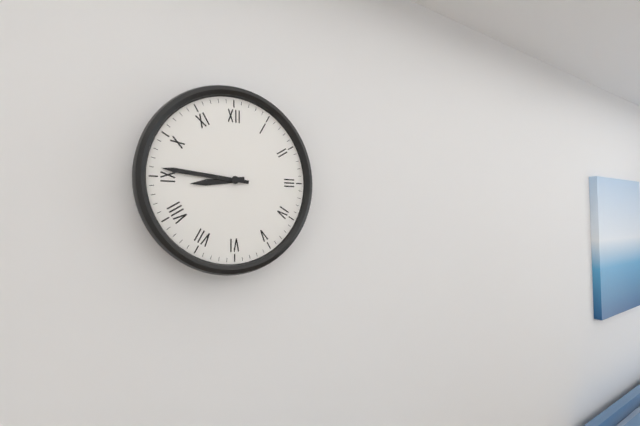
8:46
